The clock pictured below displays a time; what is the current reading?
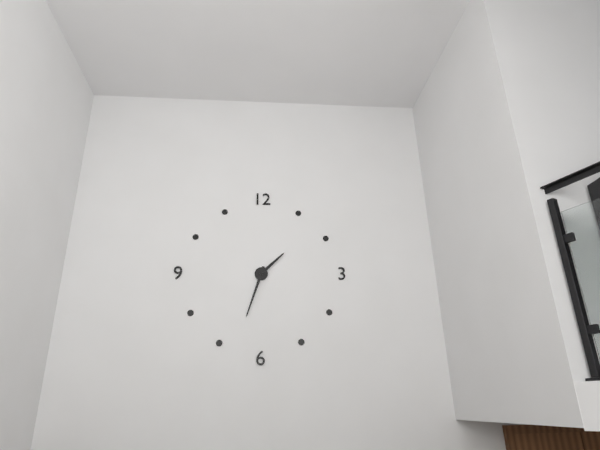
1:33
